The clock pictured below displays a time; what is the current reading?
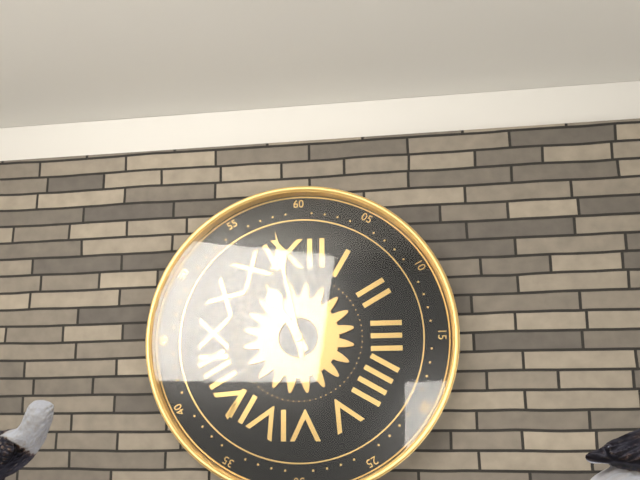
10:58
